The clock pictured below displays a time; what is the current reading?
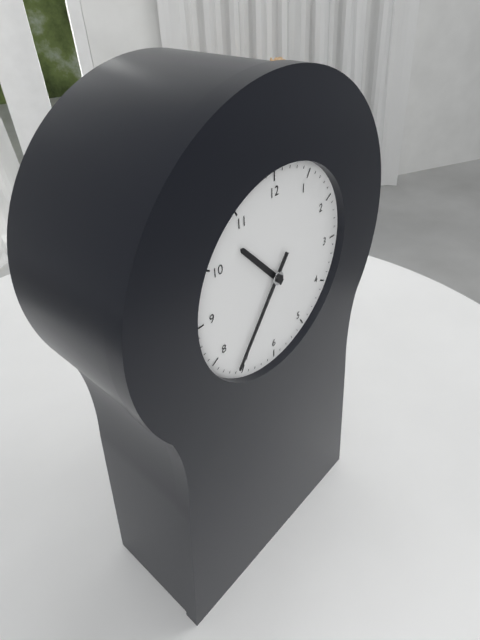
10:36
